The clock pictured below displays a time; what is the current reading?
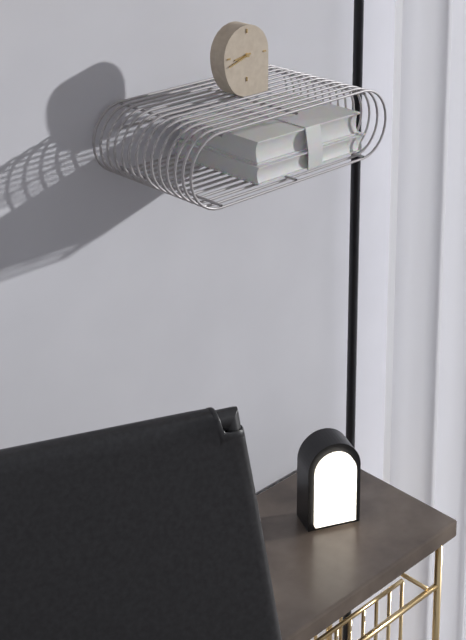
8:42
